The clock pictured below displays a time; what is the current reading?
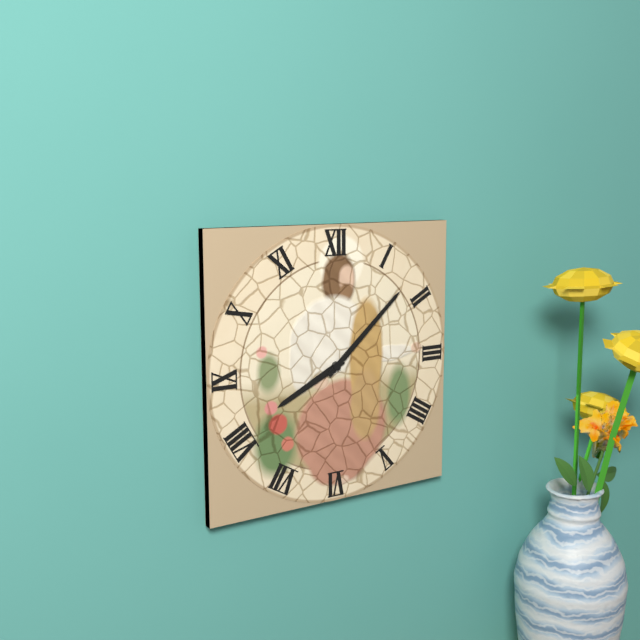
8:08
